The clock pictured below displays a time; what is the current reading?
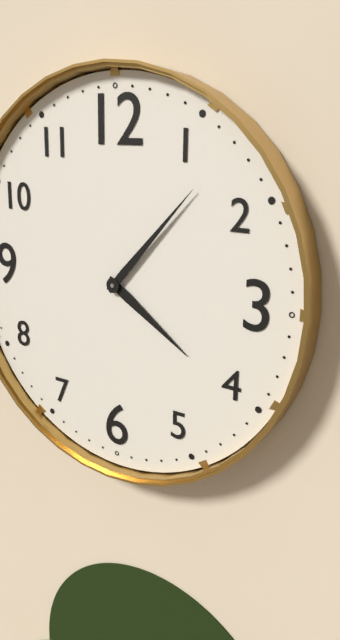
4:07
